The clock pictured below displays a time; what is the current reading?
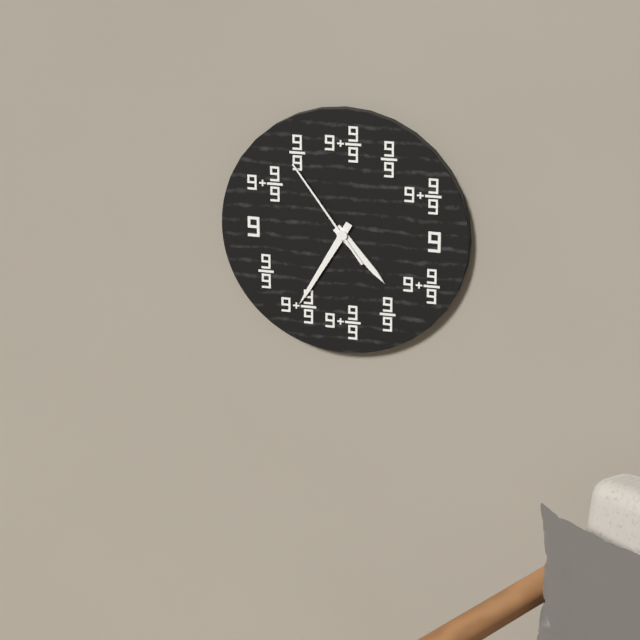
4:35:54
